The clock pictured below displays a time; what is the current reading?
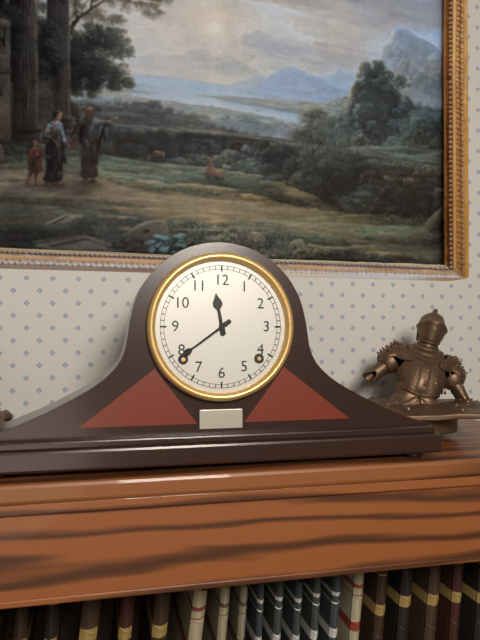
11:39
